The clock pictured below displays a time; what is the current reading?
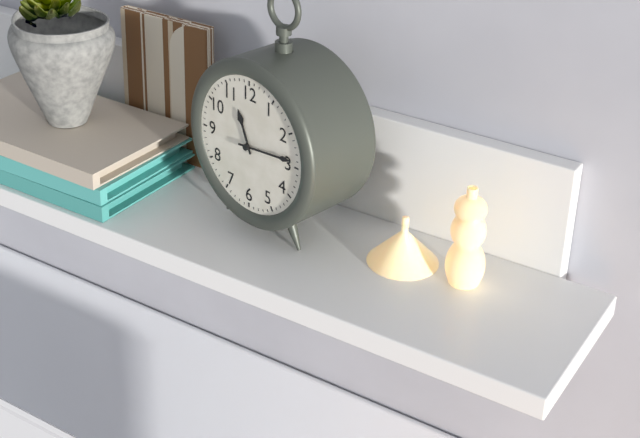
11:14
